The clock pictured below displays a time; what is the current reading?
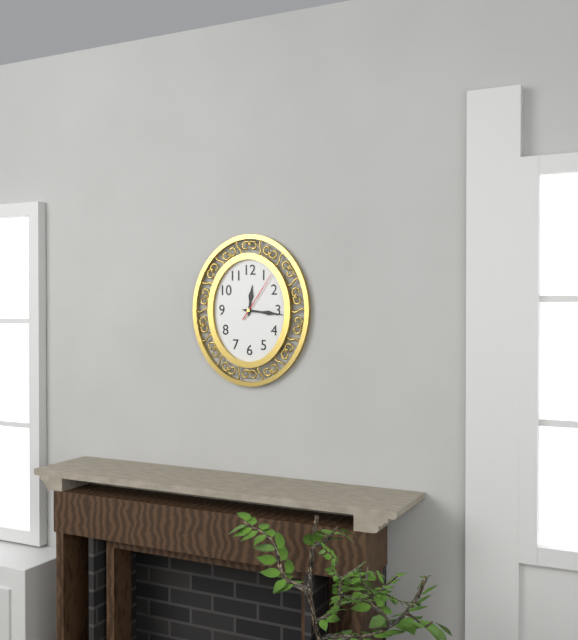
12:16:06
